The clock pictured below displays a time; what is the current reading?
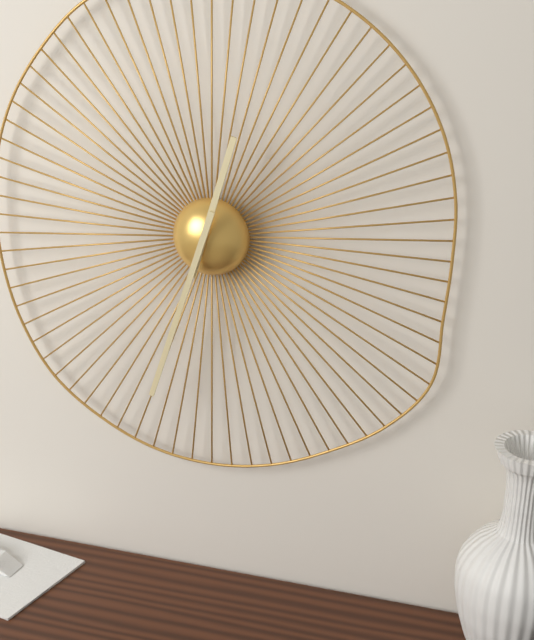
12:33
